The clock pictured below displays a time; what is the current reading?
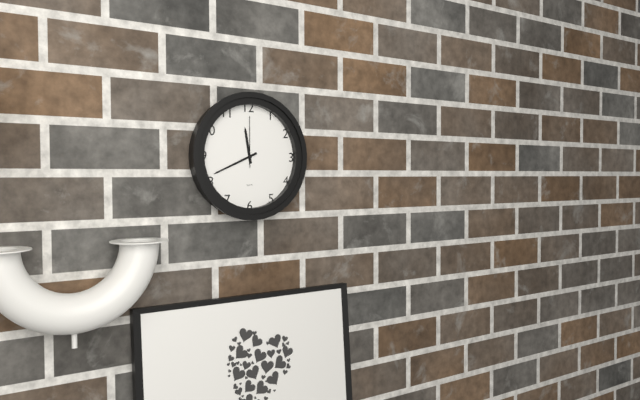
11:41:00
